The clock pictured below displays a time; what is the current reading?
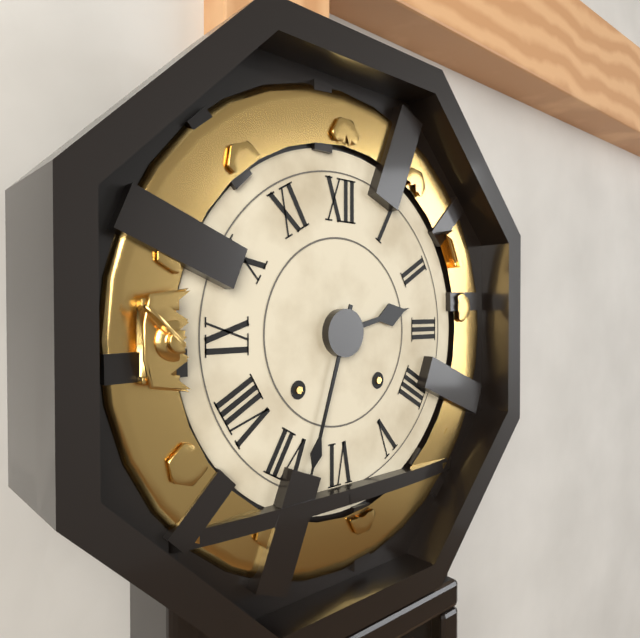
2:33
